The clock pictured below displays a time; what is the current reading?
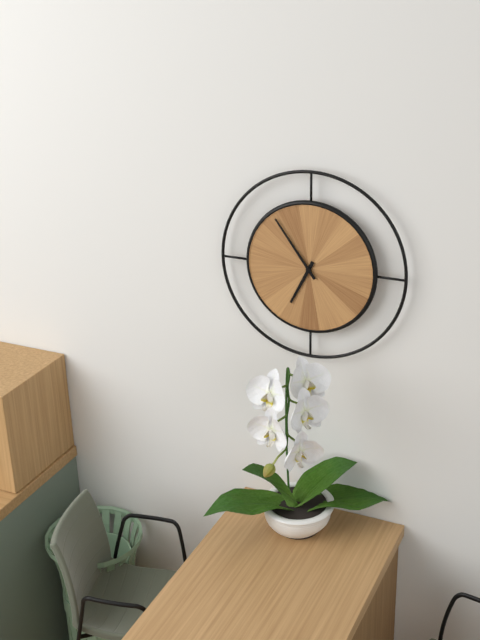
6:54
